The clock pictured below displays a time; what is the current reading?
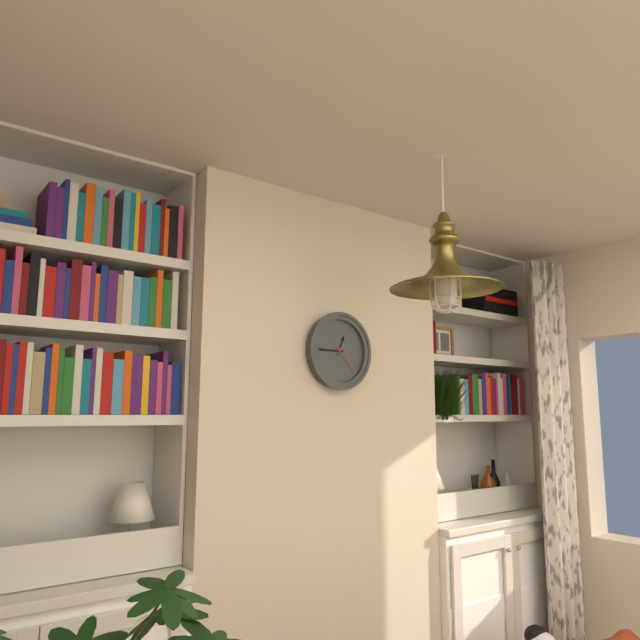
12:45
